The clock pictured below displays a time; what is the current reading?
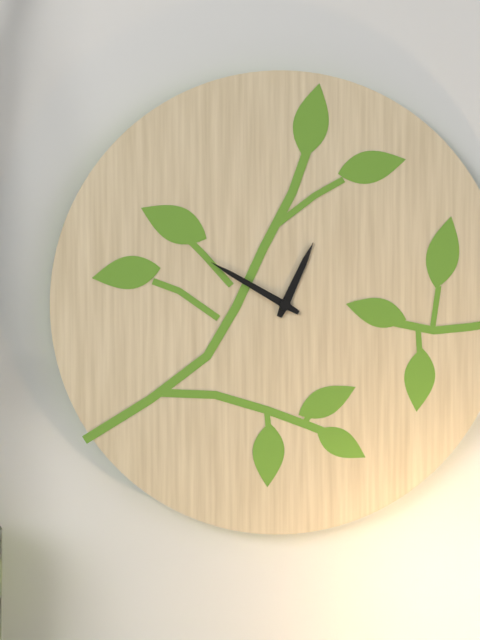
12:50
